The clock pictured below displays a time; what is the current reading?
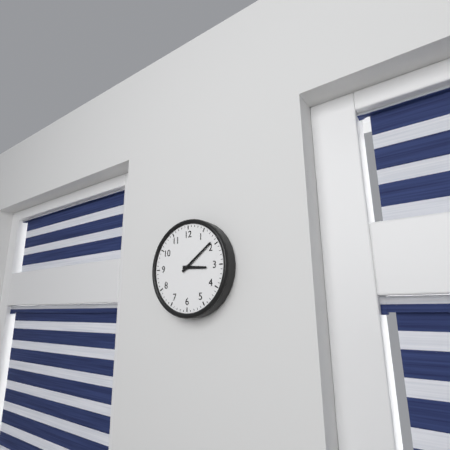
3:09
